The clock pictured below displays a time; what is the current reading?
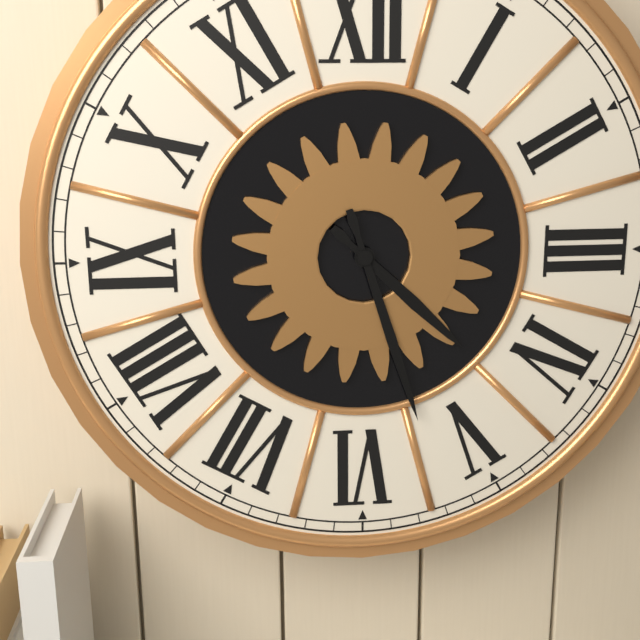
4:27
